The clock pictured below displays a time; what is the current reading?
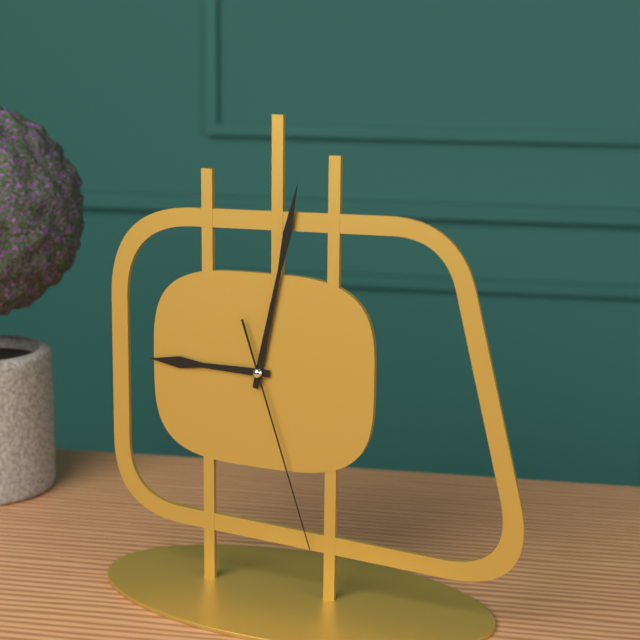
9:02:27
